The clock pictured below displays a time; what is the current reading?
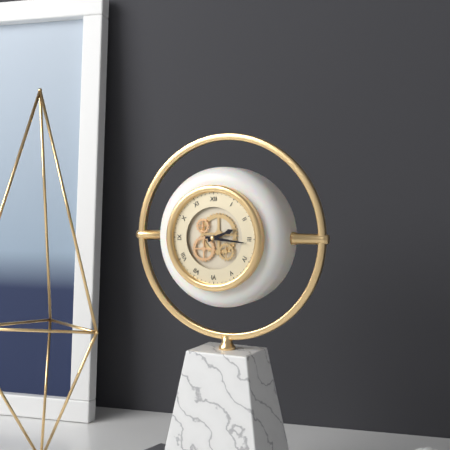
2:16
